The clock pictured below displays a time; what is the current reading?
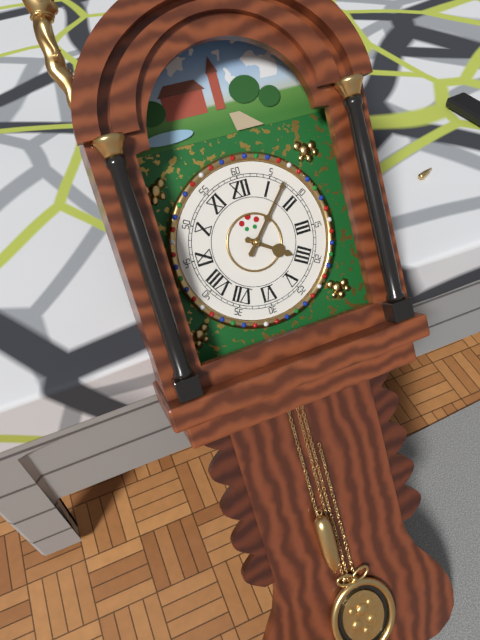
4:07
